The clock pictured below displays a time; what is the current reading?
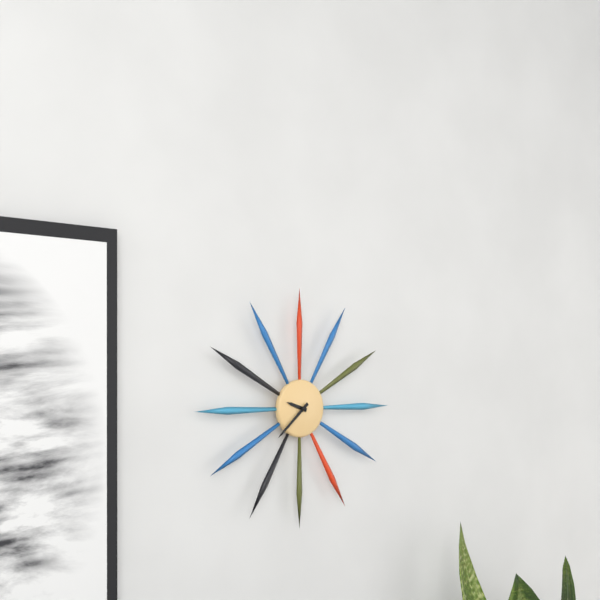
9:38
